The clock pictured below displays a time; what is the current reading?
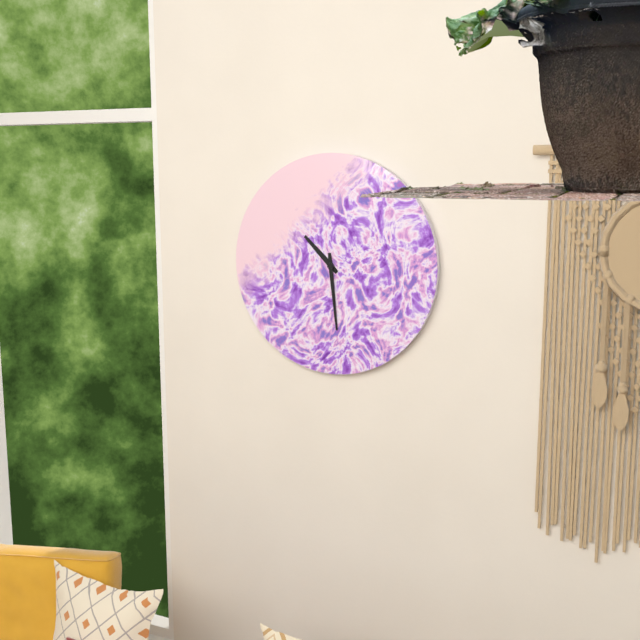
10:29
